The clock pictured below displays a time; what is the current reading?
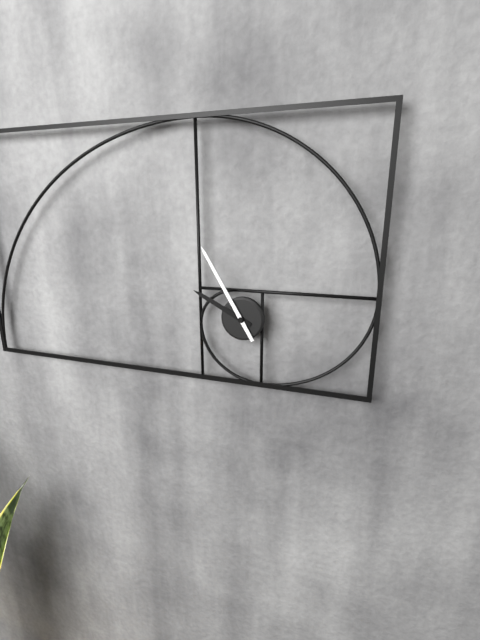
9:55
